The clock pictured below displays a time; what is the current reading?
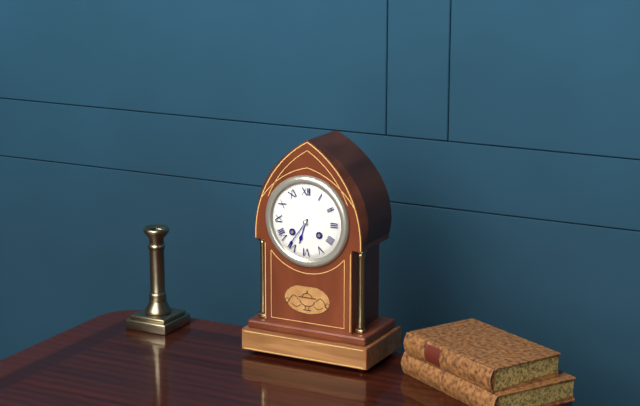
6:36
